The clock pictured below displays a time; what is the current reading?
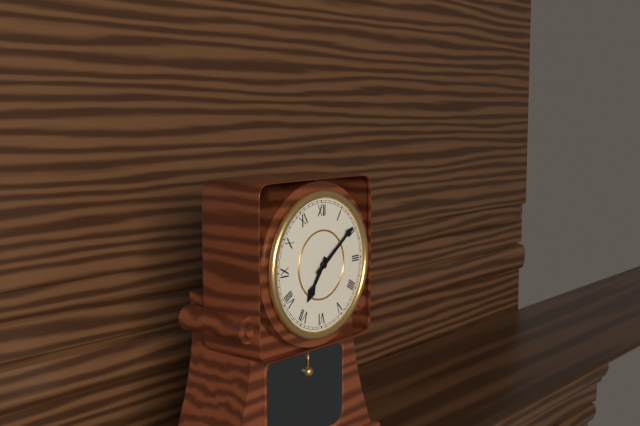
7:09
